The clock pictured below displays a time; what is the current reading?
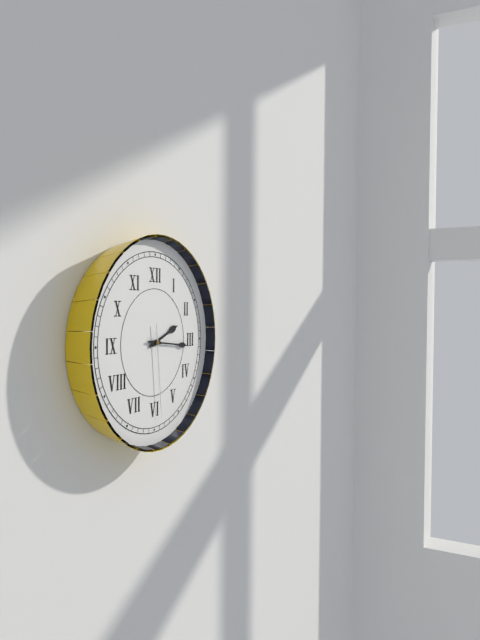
2:16:29
